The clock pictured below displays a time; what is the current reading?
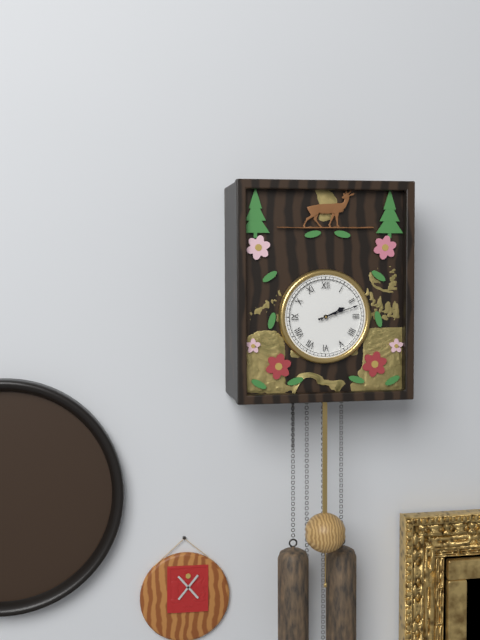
2:12
